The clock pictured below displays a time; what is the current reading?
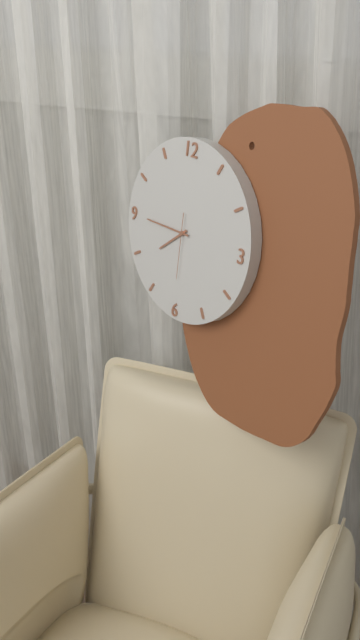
7:45:30
